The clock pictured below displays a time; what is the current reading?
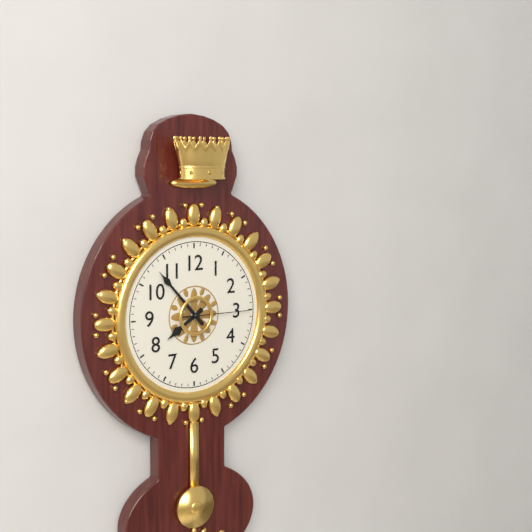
7:53:15
